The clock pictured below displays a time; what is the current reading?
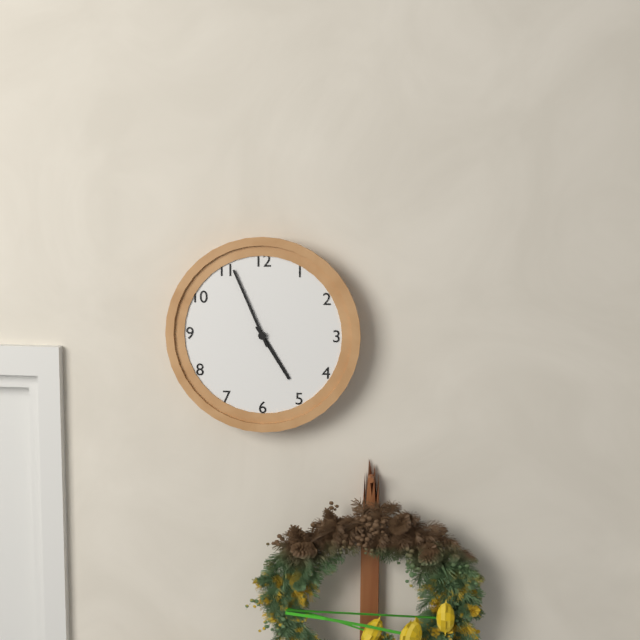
4:56
